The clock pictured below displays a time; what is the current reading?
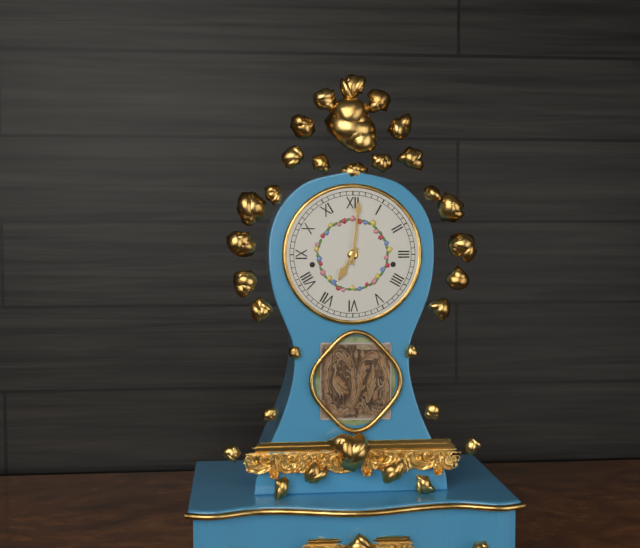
7:01
